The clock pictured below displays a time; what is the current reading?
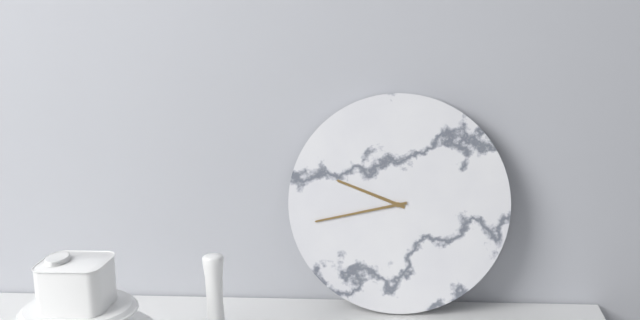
9:43
